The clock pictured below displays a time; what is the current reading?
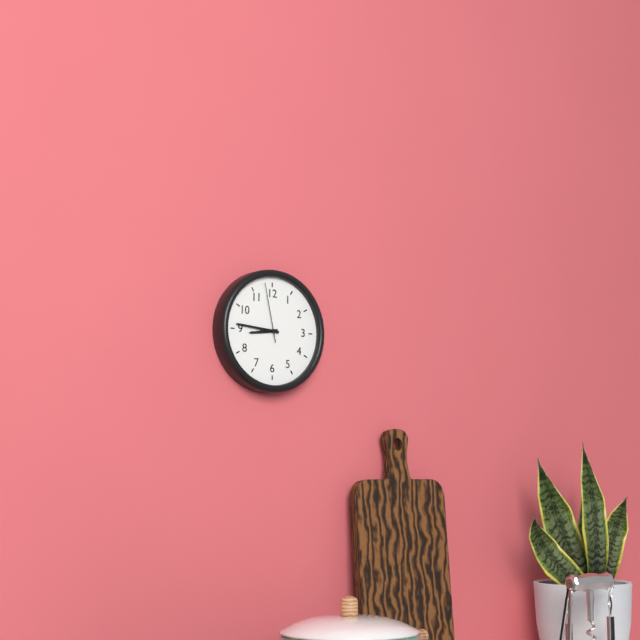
8:46:58
